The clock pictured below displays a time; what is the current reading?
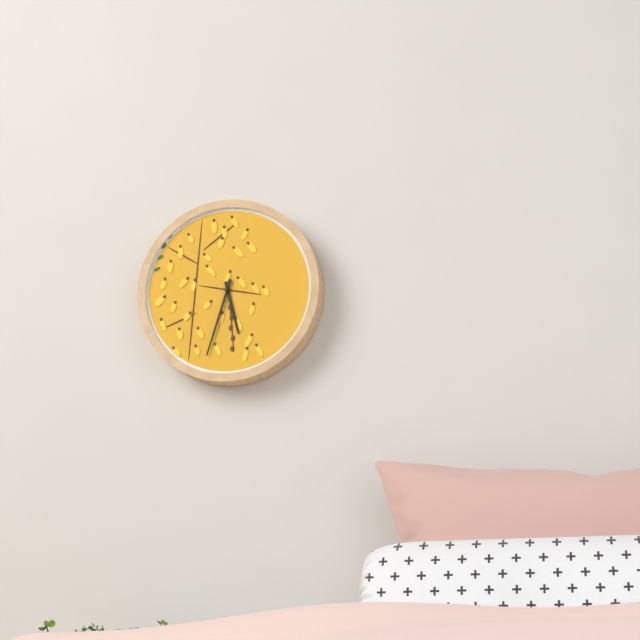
5:33
